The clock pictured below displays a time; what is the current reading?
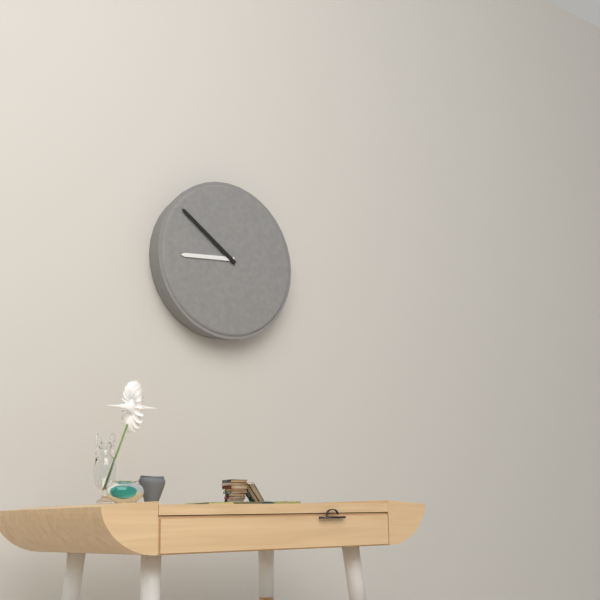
8:51
